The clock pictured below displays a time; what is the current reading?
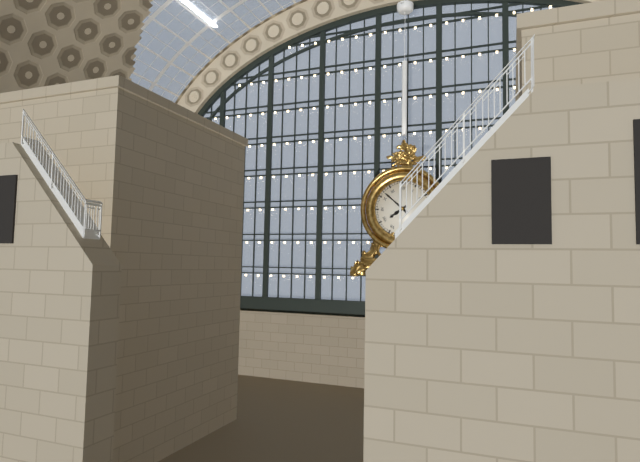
7:52
